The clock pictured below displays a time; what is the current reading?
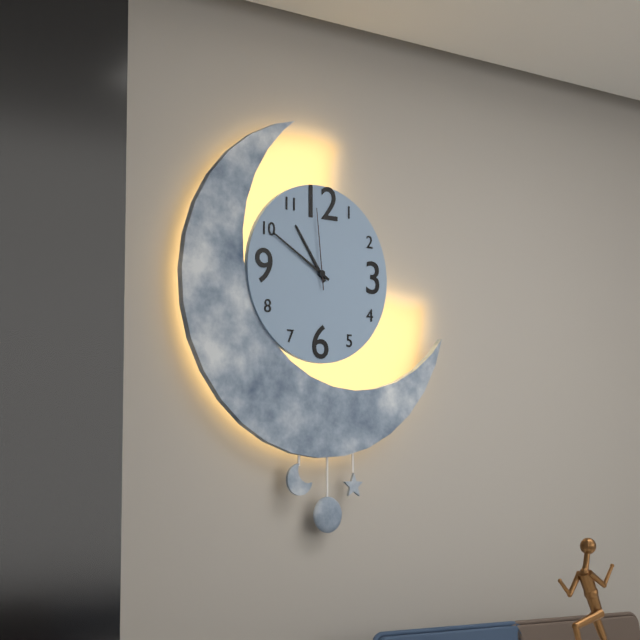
10:50:59
